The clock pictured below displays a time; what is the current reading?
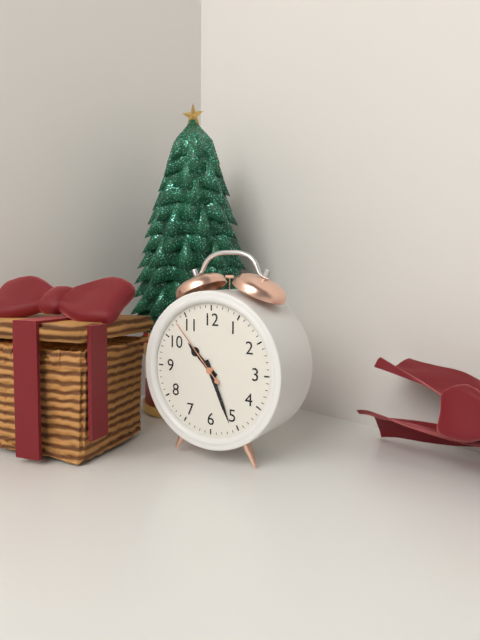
10:26:53
